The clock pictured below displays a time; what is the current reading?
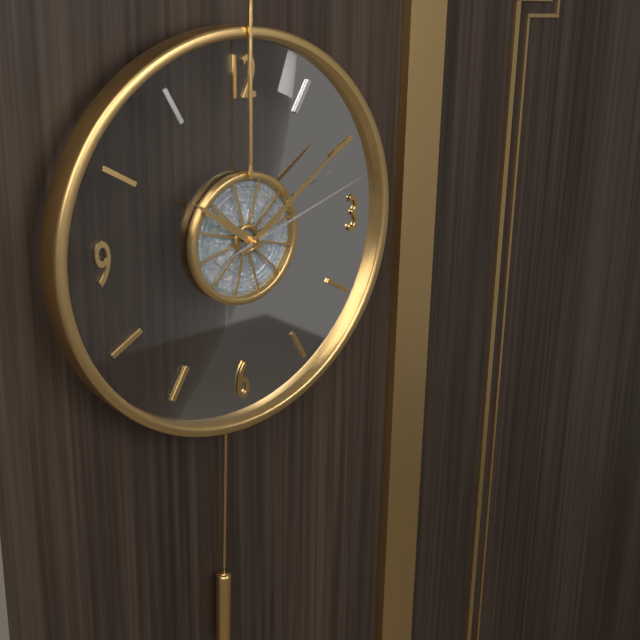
10:09:12
